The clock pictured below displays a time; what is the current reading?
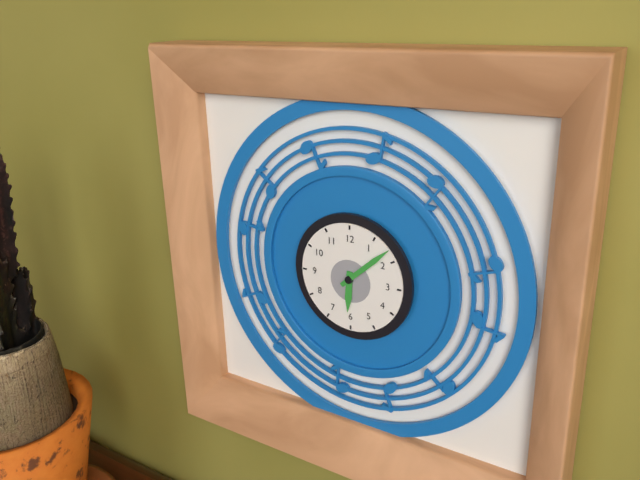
6:08
